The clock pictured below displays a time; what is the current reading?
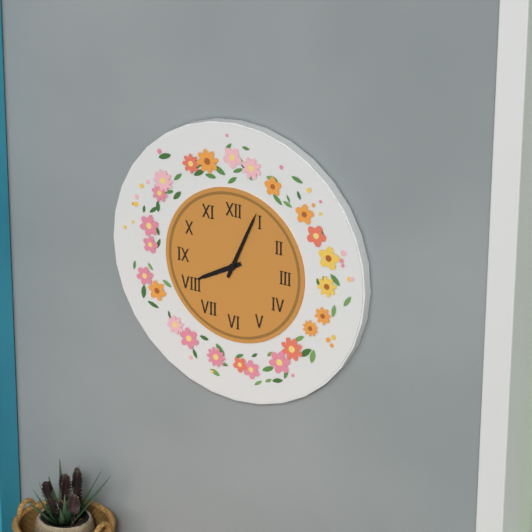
8:04
